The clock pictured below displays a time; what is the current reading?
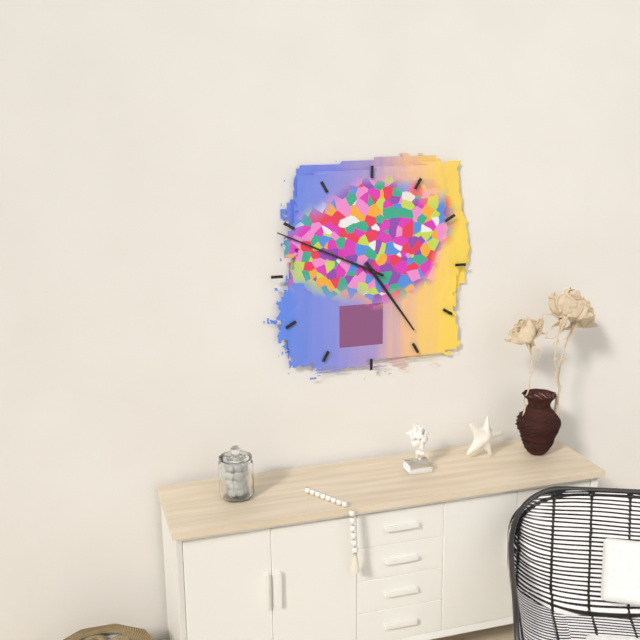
4:49
